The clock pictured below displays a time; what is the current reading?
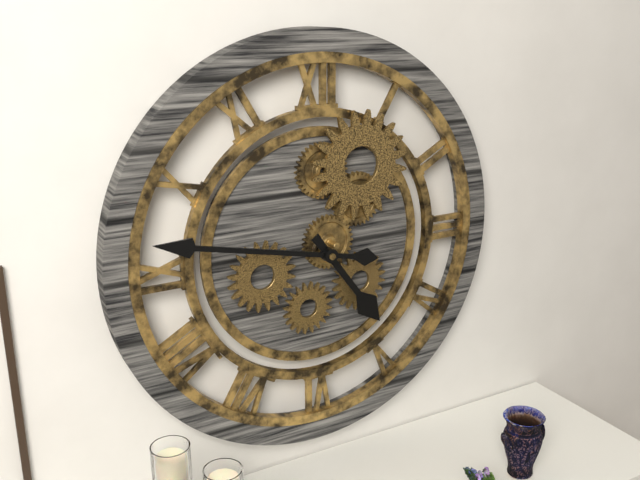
4:47
